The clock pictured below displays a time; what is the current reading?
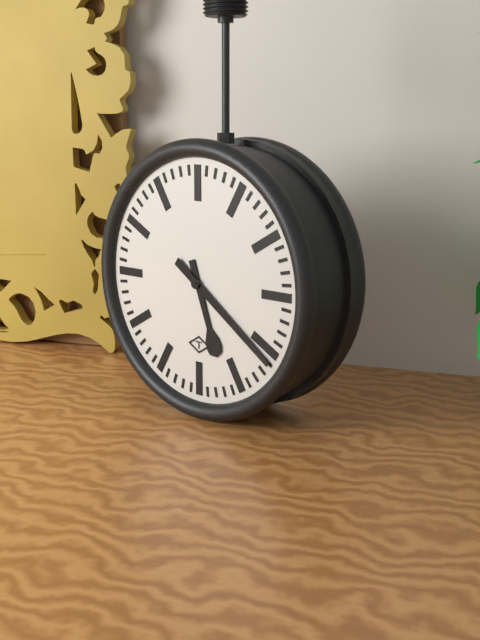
5:21
